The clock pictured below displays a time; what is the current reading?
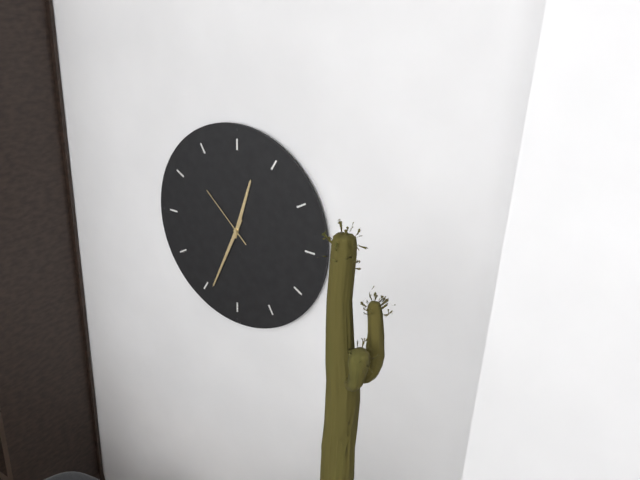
12:34:52
